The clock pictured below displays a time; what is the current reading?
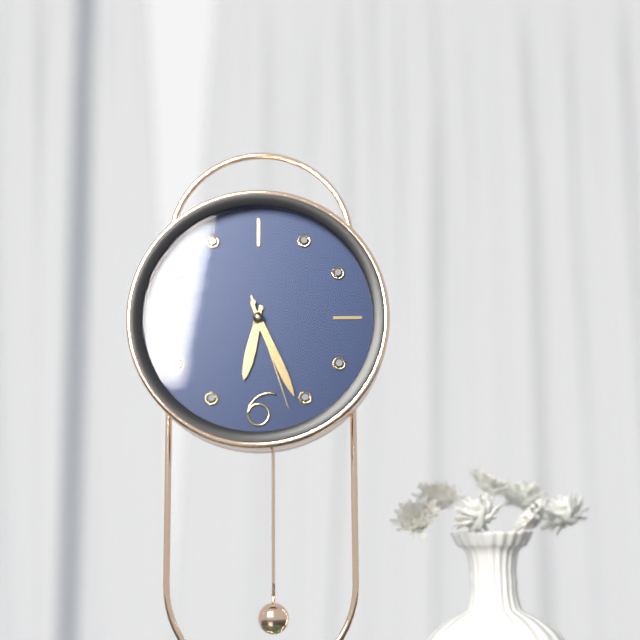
6:26:27
